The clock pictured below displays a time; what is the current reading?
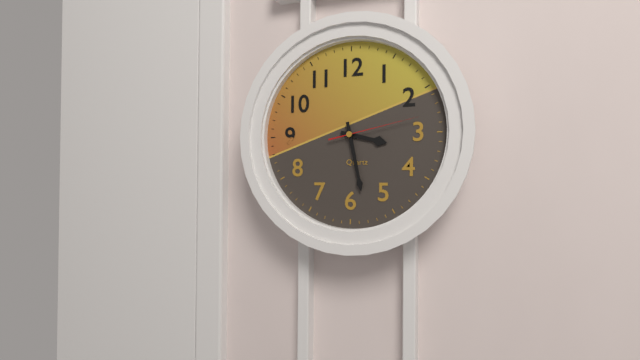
3:28:13
